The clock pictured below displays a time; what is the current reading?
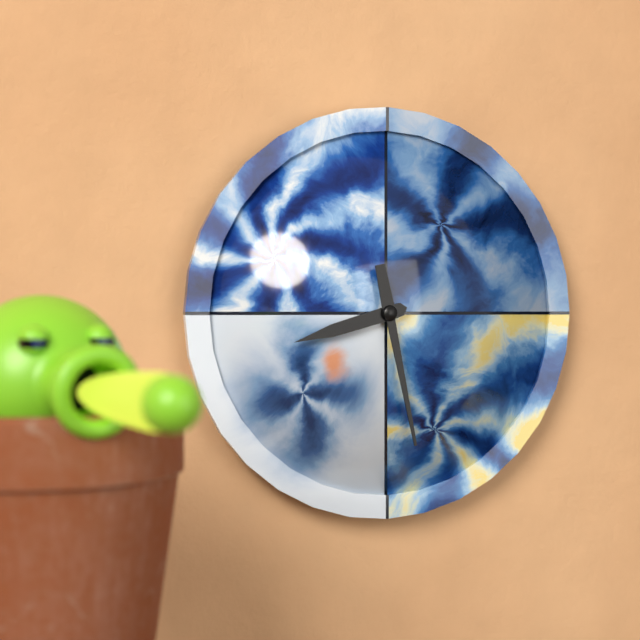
8:28
